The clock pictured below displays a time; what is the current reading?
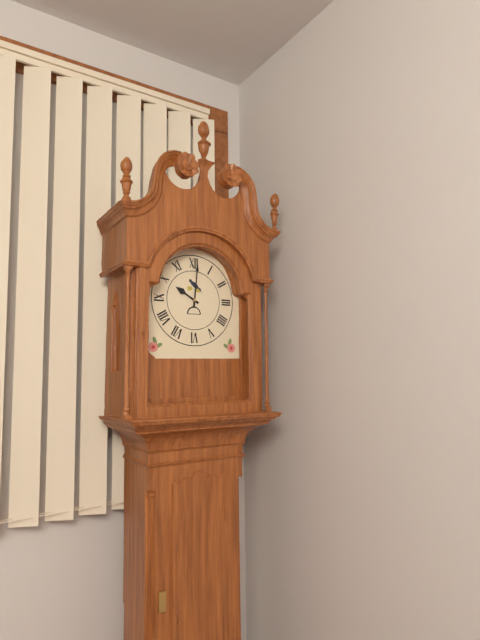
10:01
